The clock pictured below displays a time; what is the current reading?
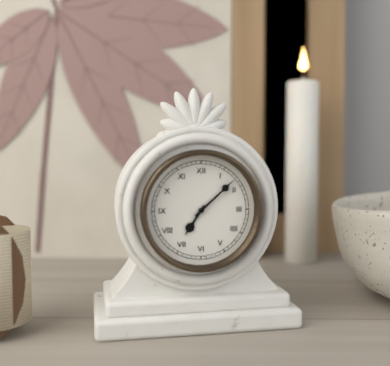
7:08
